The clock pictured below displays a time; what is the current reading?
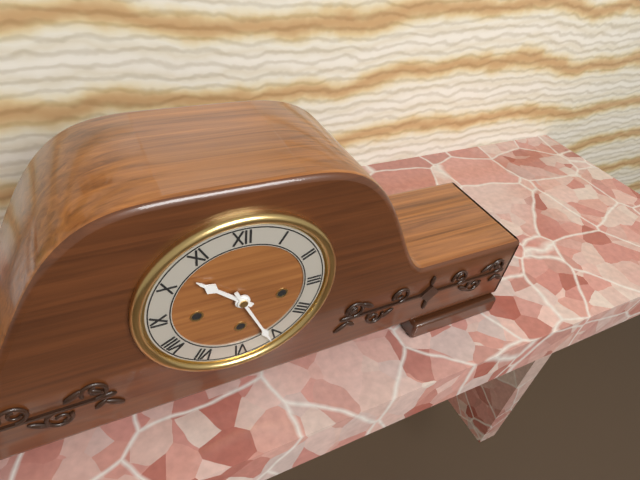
10:26
